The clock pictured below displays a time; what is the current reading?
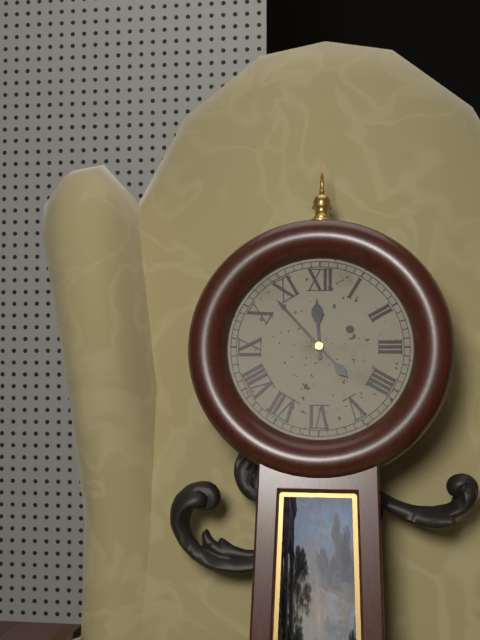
11:53
